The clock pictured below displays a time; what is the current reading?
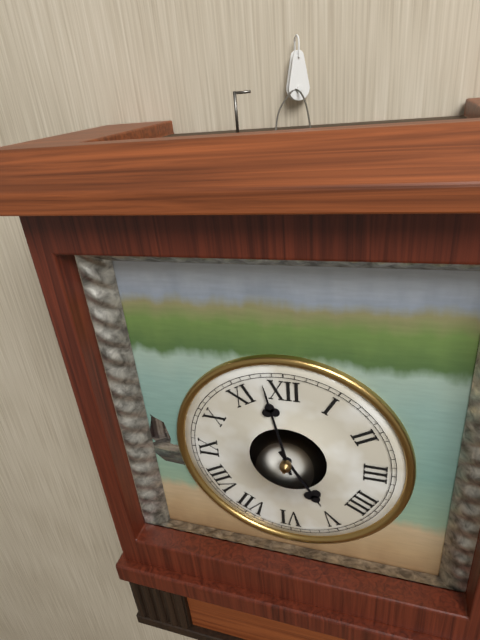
4:58
